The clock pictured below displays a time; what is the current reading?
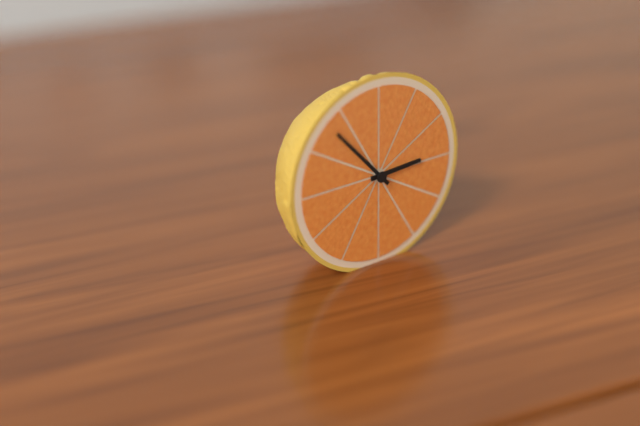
2:53
